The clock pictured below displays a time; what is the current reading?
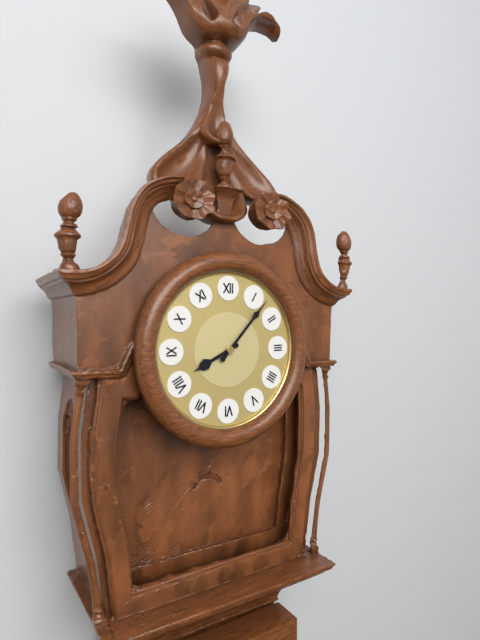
8:07
